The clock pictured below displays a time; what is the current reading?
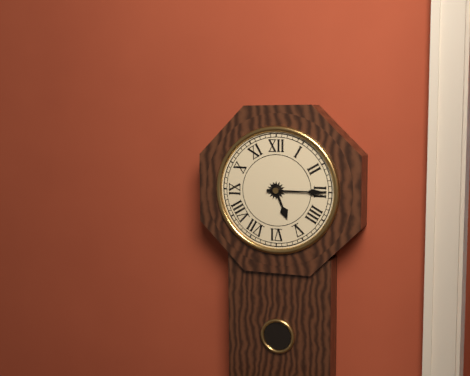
5:15
